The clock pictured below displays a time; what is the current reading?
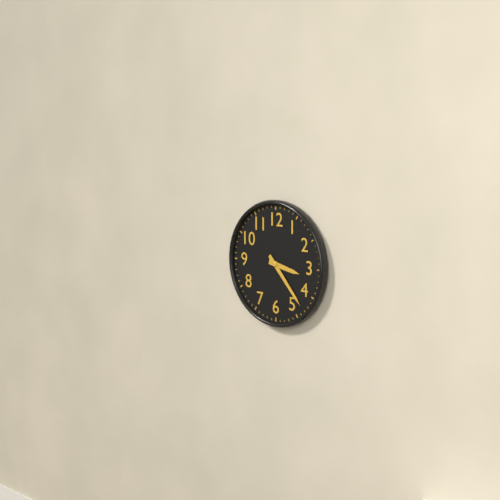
3:23
